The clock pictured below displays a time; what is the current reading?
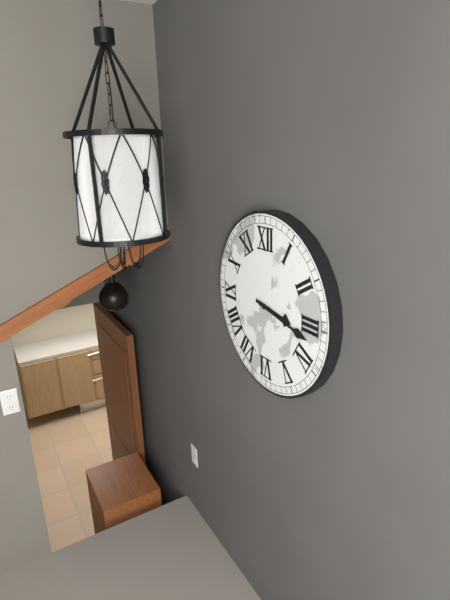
3:17
